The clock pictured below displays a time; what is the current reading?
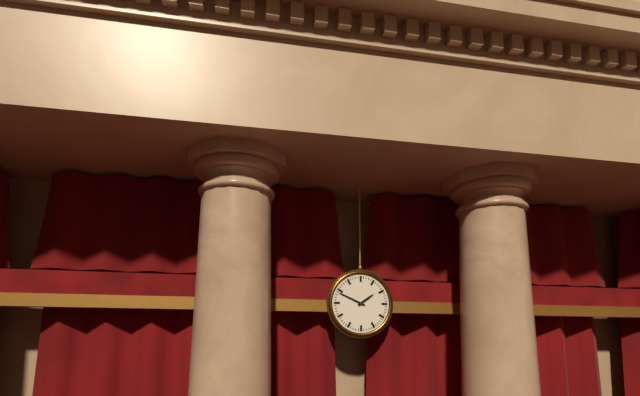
1:49
